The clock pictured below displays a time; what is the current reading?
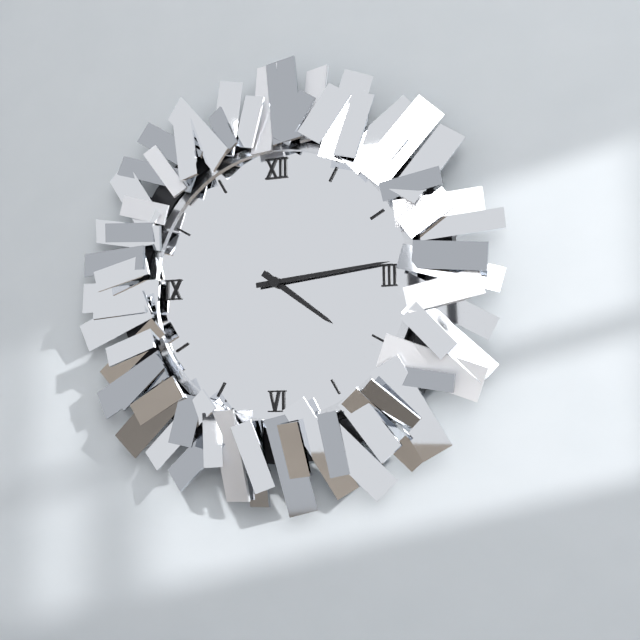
4:14
